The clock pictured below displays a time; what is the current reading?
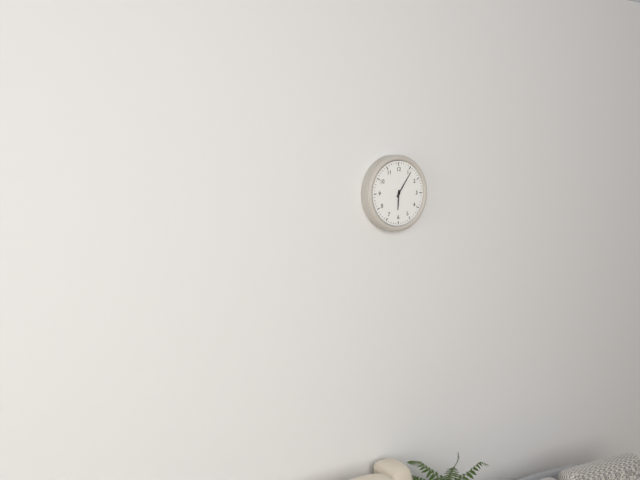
6:06
